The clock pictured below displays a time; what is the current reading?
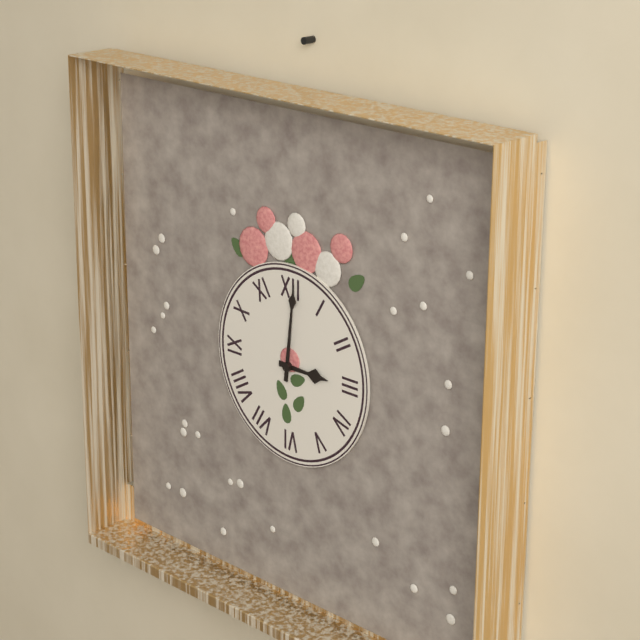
3:01
